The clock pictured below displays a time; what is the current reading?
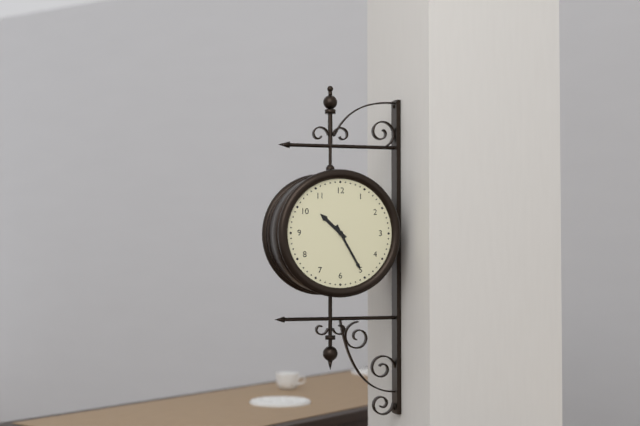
10:25
